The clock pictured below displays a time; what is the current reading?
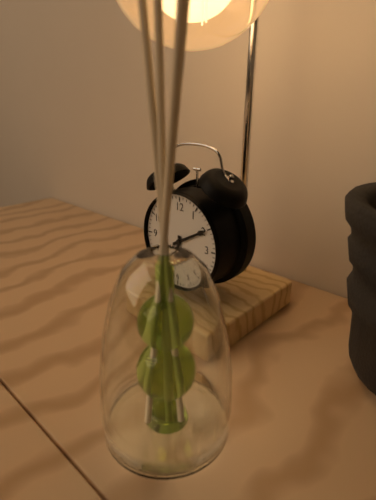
6:10
